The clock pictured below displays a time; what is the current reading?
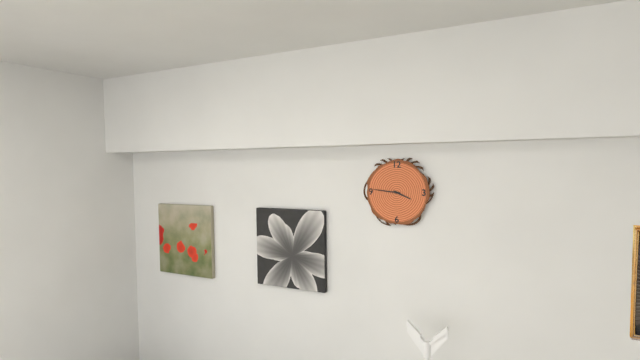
3:46
